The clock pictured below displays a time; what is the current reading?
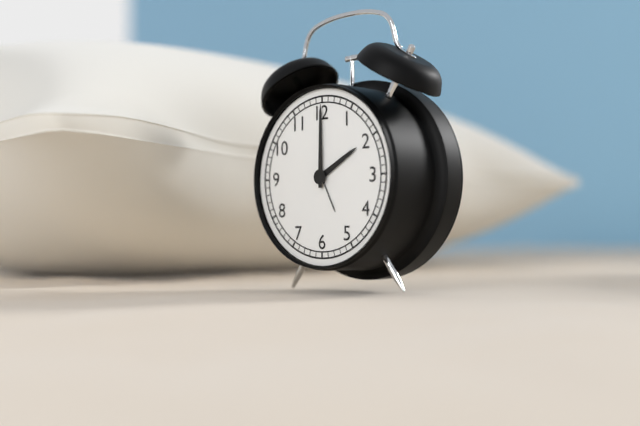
2:00
